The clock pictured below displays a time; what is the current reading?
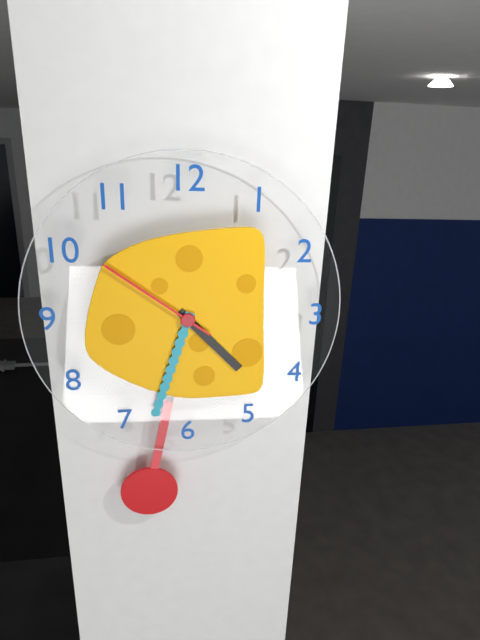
4:33:51
